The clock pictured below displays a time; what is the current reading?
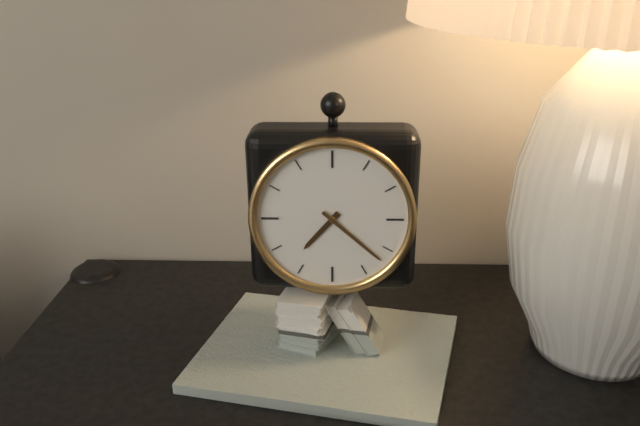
7:22
